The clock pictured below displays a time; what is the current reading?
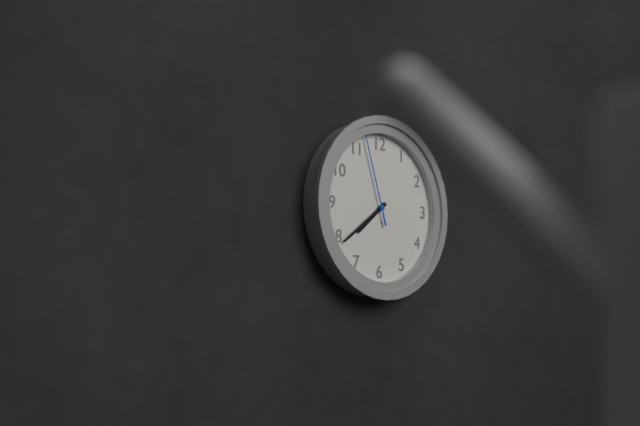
7:39:57
